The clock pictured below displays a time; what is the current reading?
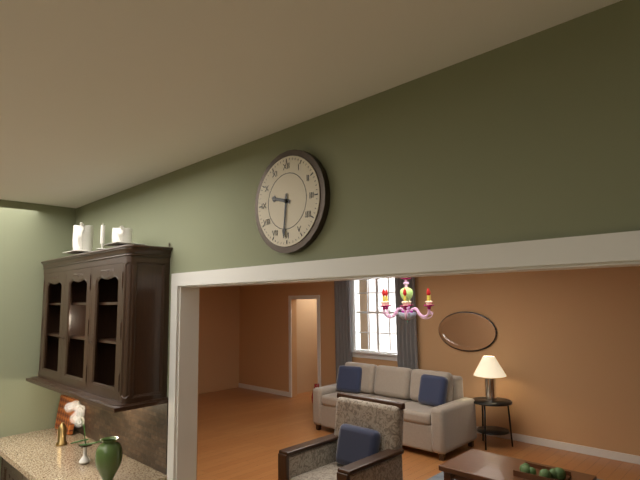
9:31
